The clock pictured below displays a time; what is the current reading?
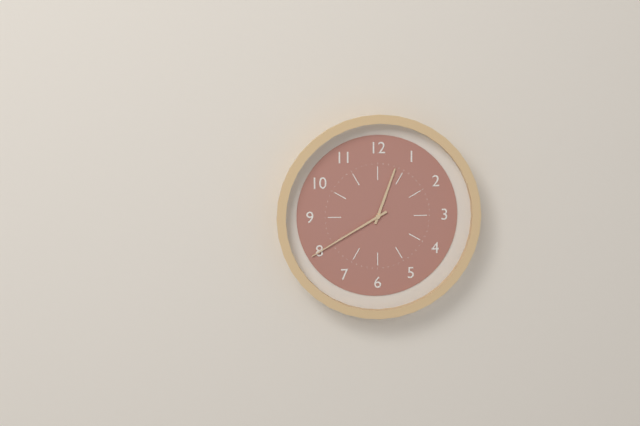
12:40
